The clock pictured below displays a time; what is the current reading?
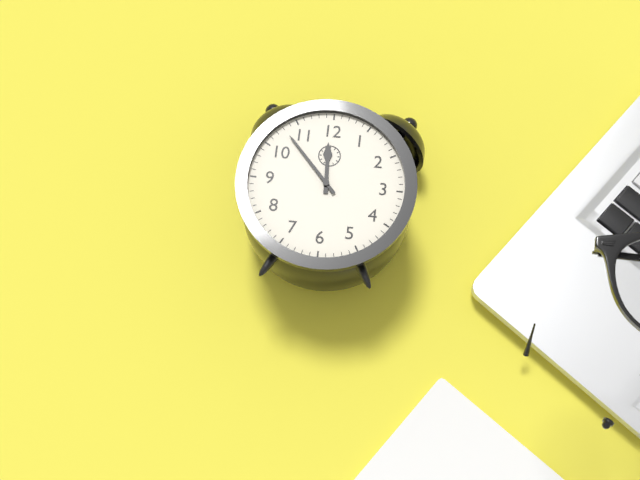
11:53
